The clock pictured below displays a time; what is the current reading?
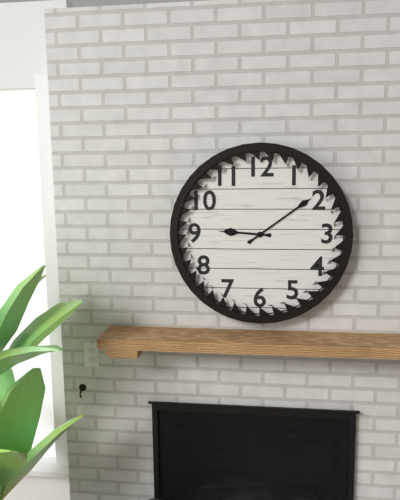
9:09
